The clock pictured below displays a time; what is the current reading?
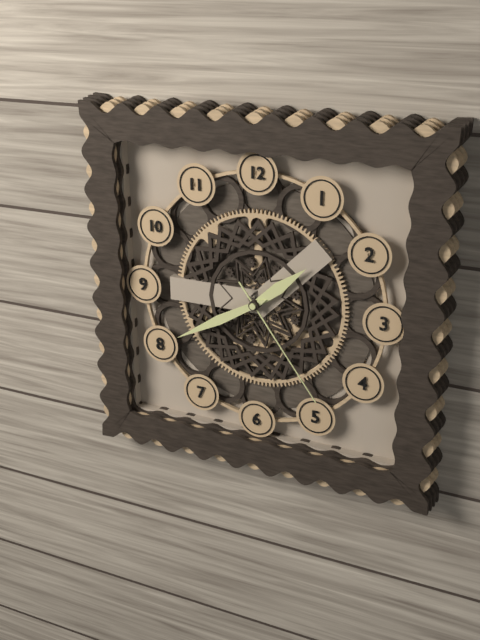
1:40:24
